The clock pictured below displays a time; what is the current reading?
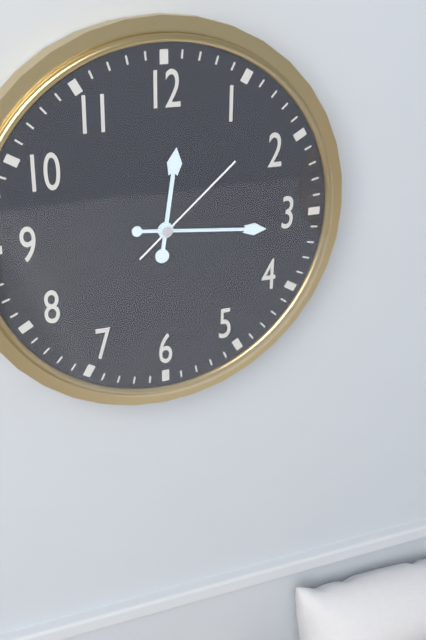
12:16:08
